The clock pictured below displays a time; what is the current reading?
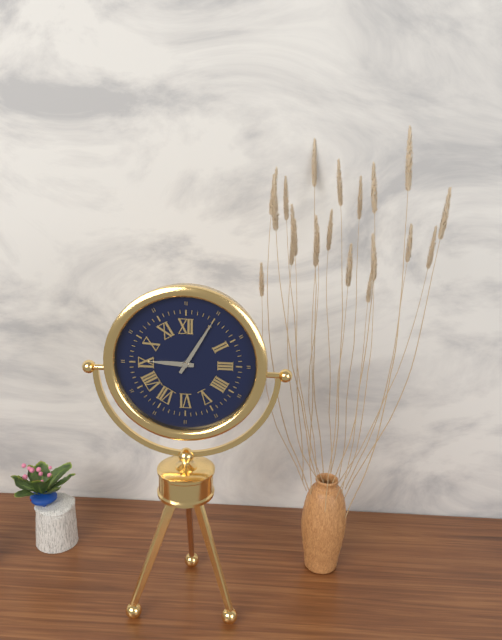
9:05
